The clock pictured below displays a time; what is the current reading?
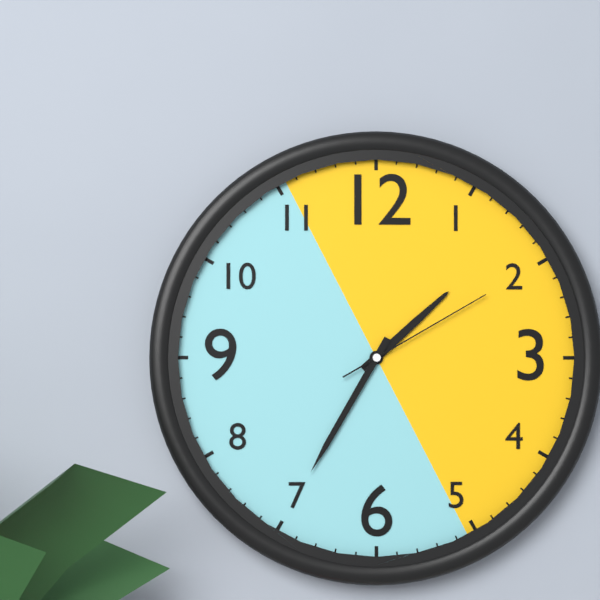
1:35:10
